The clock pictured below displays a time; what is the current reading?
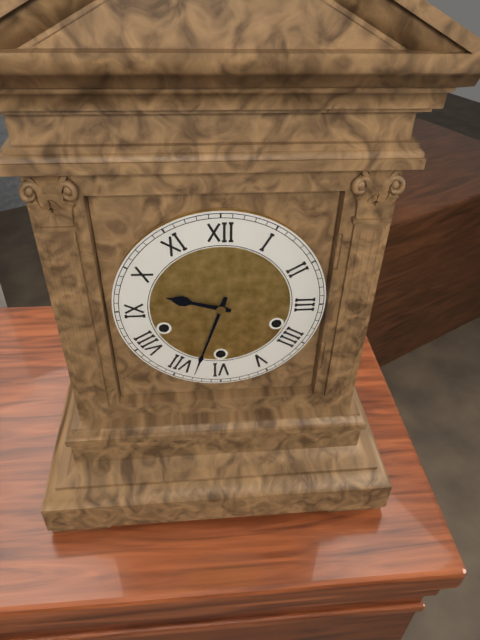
9:33
